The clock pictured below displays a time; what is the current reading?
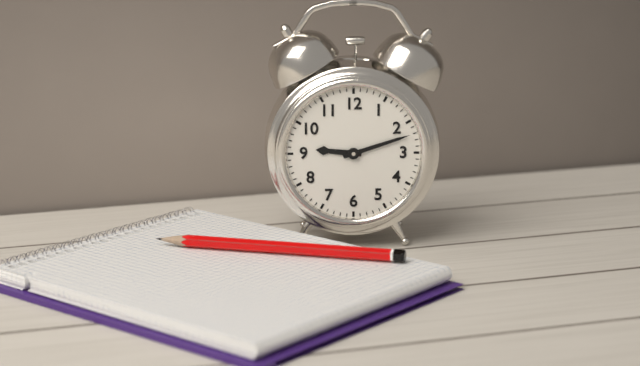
9:12
